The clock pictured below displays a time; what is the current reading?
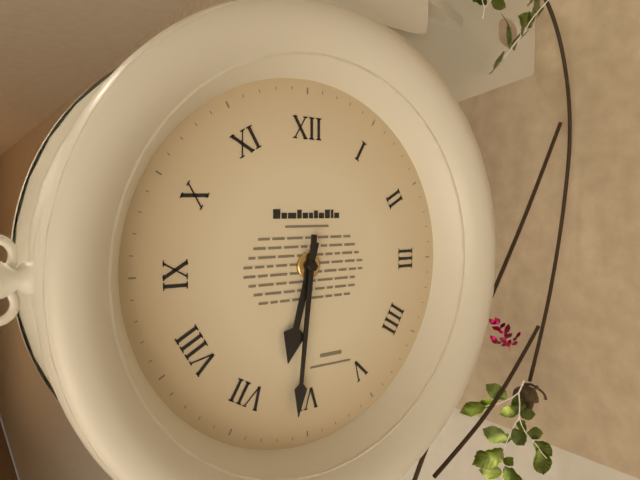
6:31
